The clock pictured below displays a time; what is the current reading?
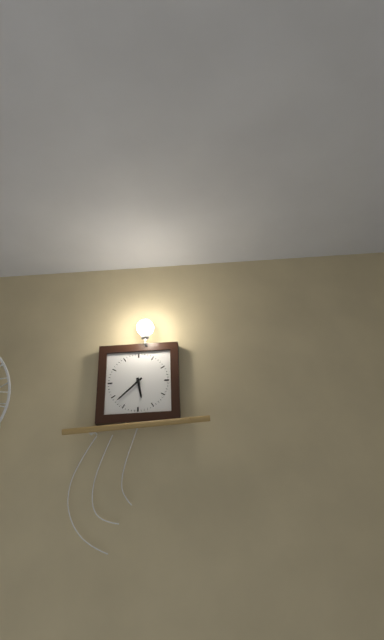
5:38
